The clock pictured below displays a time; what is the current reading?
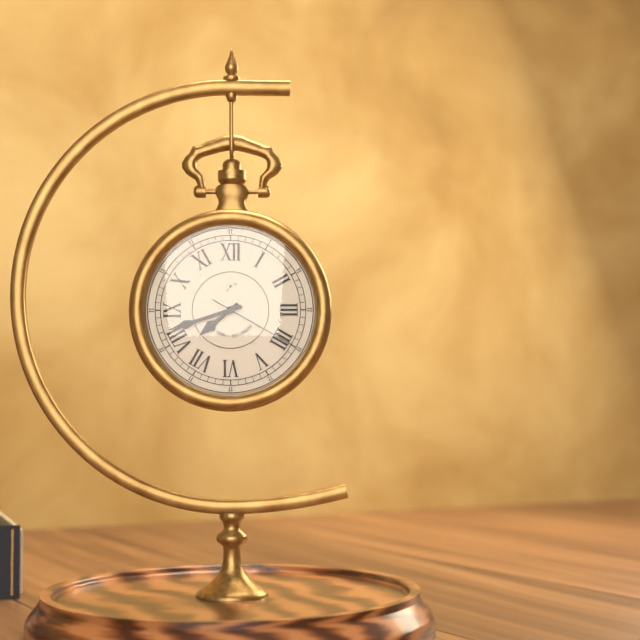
7:42:20
